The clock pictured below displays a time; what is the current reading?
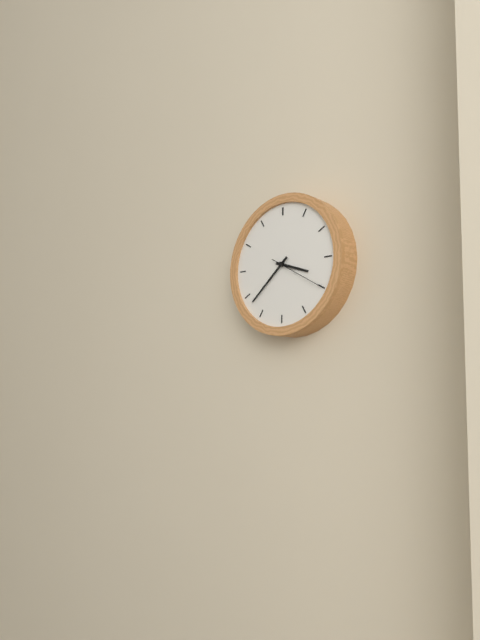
3:38:20
